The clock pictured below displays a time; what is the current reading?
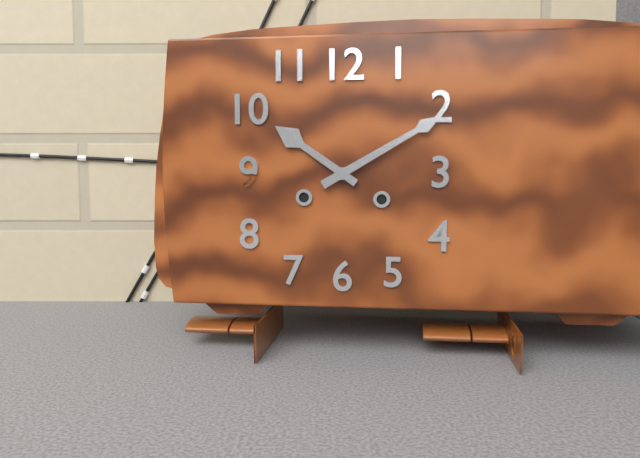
10:10
